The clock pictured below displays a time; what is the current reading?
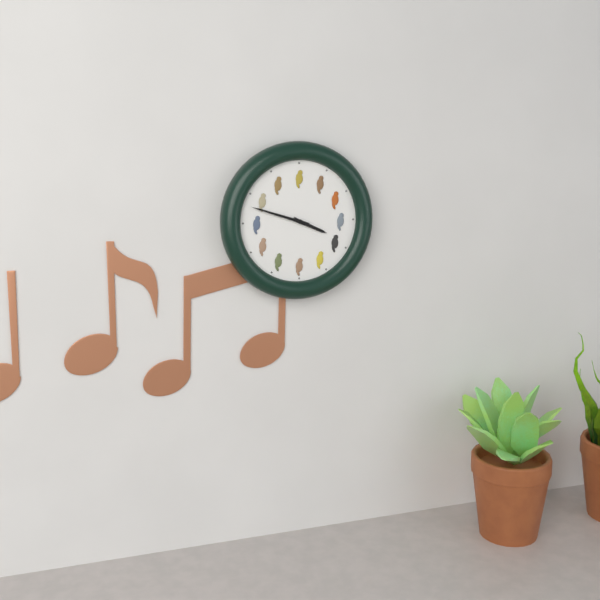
3:48
